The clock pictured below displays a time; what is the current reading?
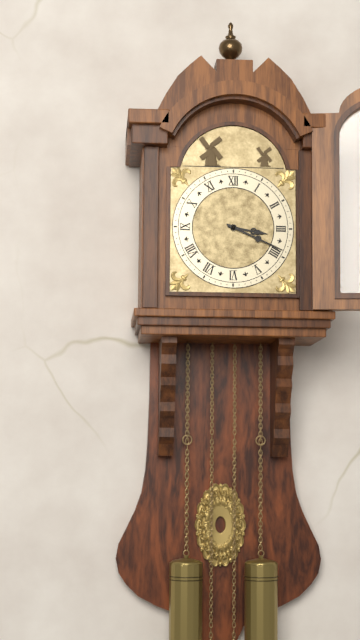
3:19
